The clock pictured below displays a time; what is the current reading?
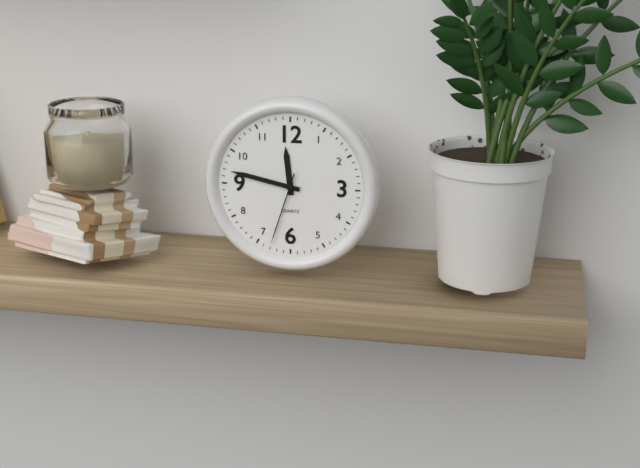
11:47:33
